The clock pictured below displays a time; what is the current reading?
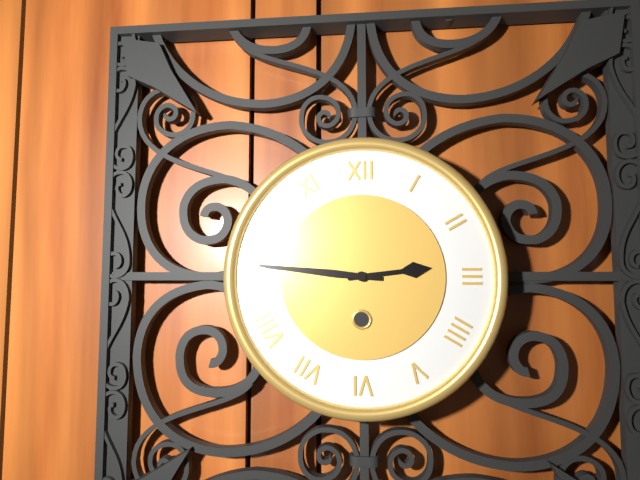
2:46
